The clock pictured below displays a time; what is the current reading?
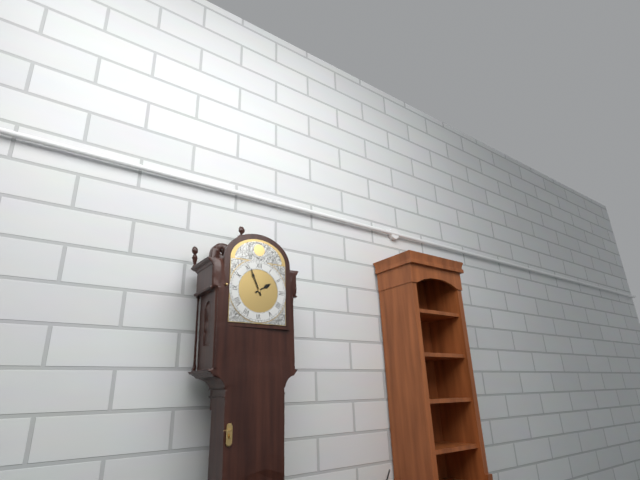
1:56
